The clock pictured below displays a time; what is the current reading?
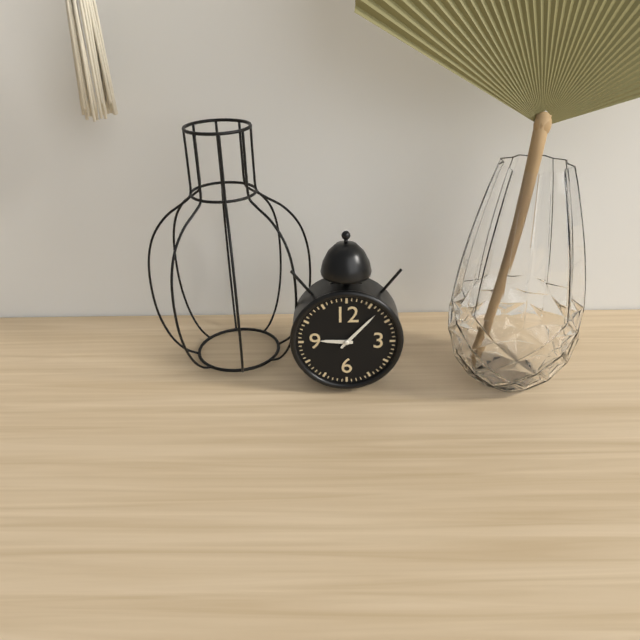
9:07
